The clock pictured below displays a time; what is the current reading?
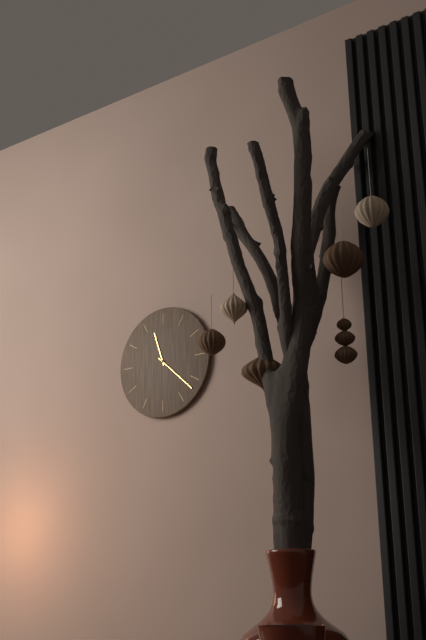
11:22
